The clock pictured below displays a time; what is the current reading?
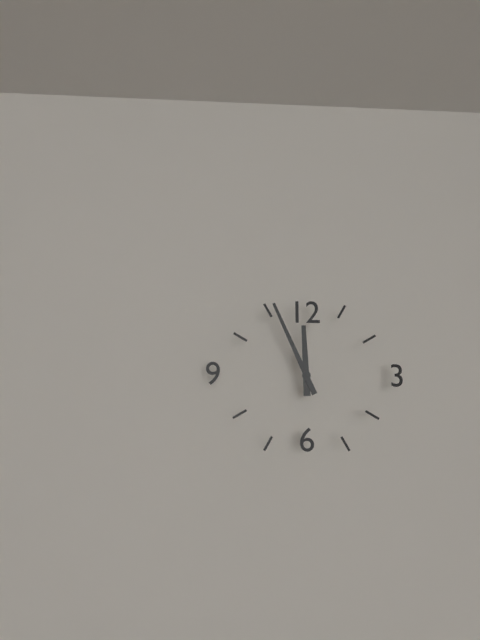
11:56
